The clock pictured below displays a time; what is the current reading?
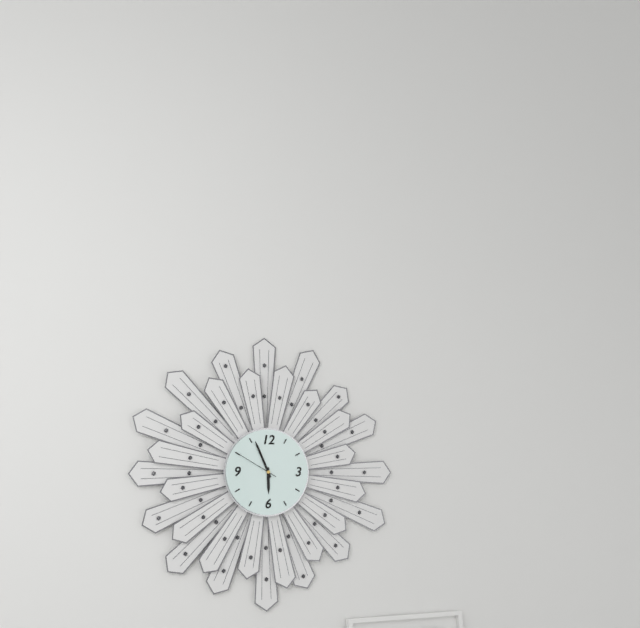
5:56
